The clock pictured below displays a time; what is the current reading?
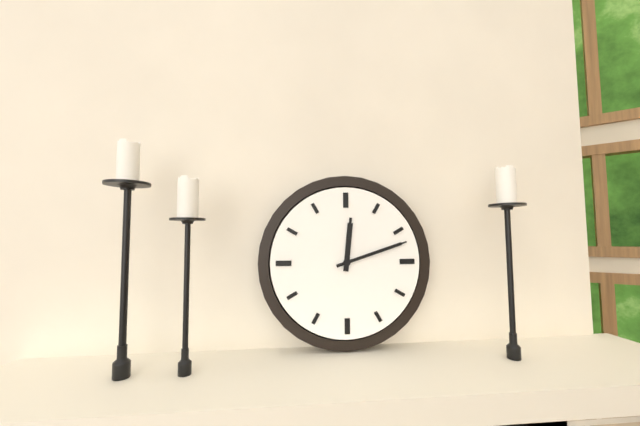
12:12
